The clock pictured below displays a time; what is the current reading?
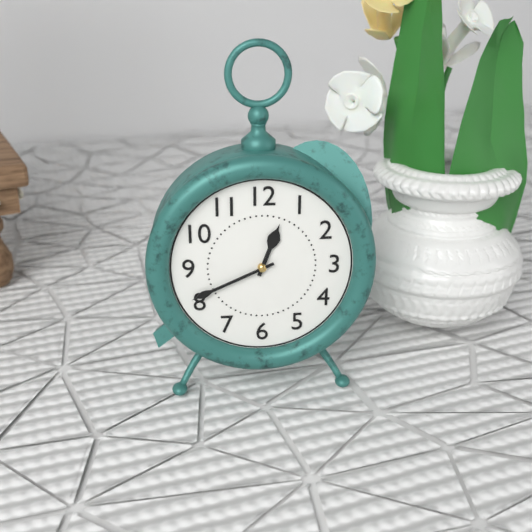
12:41
